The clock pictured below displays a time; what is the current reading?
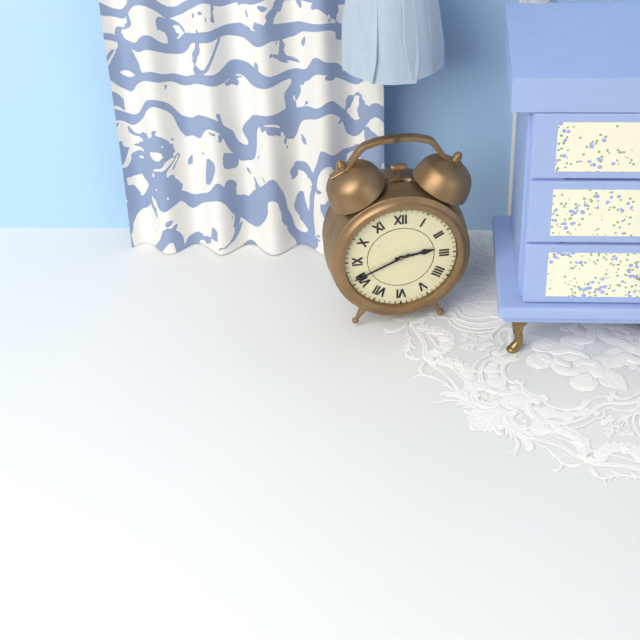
2:41
